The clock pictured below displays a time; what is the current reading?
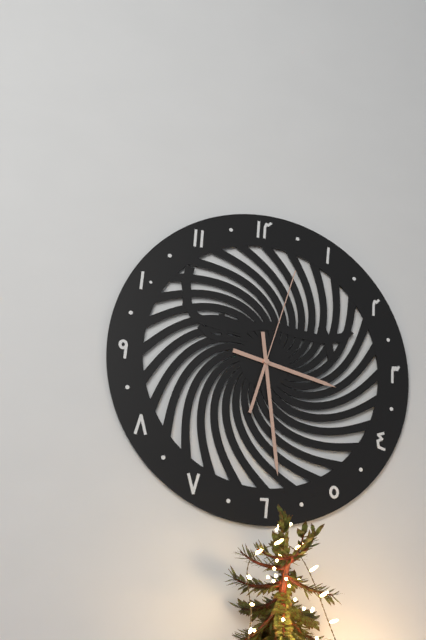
3:29:03
